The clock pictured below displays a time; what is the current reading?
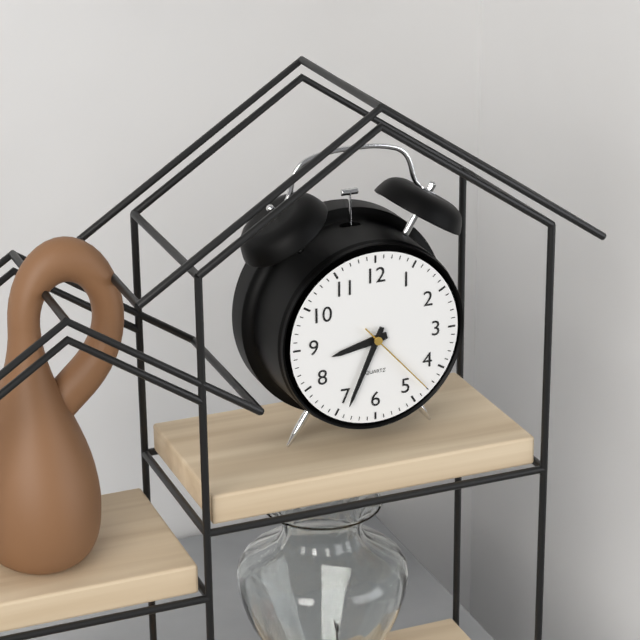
8:34:23
